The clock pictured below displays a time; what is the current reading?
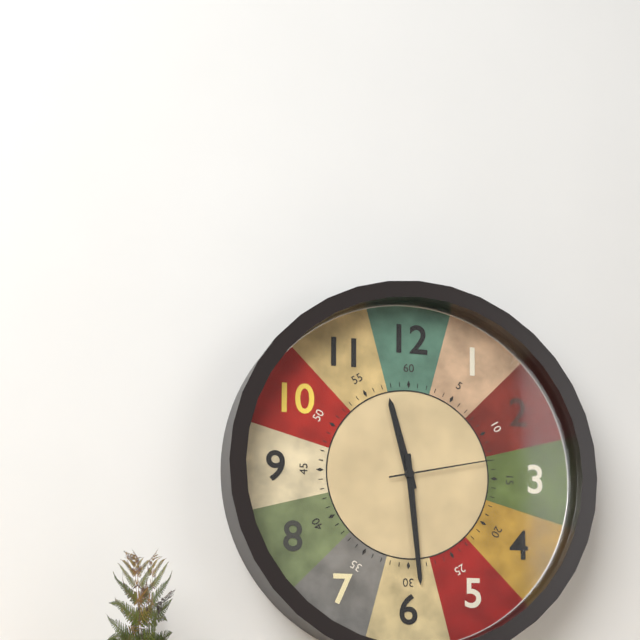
11:29:13
